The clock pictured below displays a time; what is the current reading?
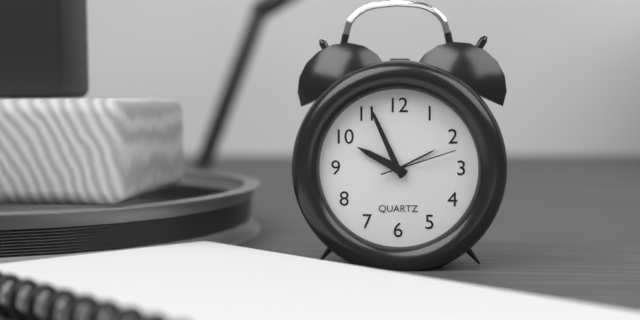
9:56:12
